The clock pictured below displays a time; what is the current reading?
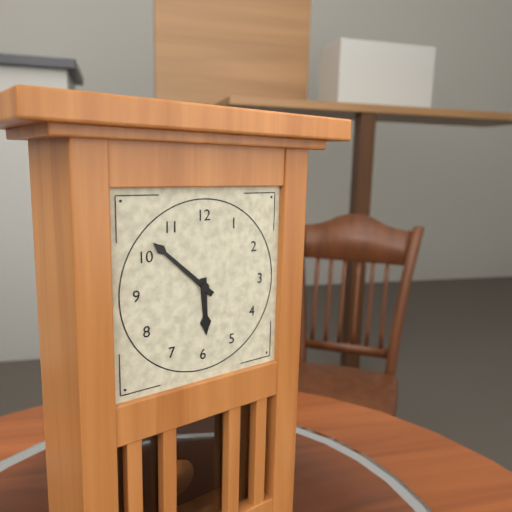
5:52
